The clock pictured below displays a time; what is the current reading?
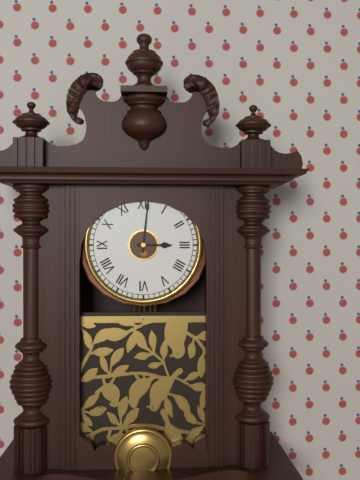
3:01
